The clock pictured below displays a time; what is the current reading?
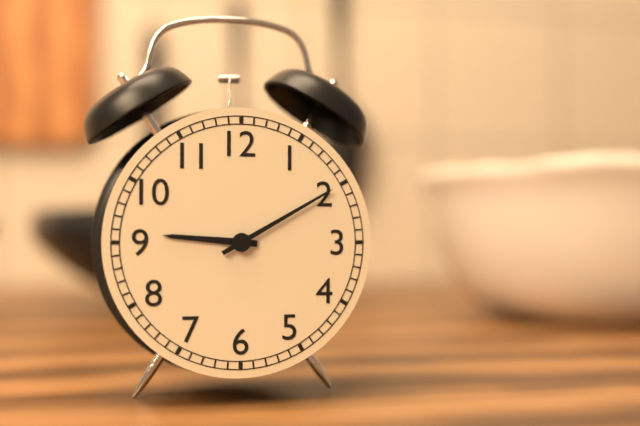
9:10
